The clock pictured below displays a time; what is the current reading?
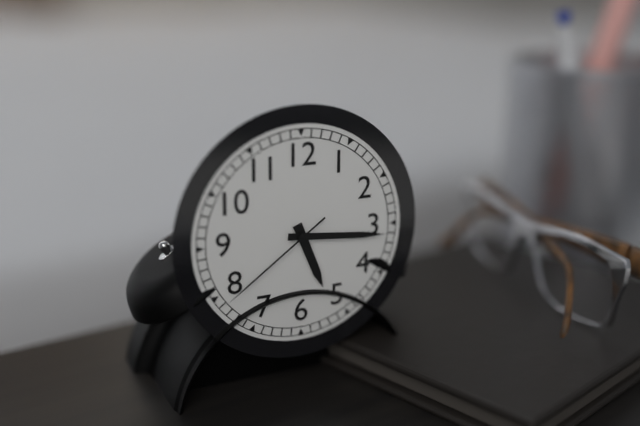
5:16:39
